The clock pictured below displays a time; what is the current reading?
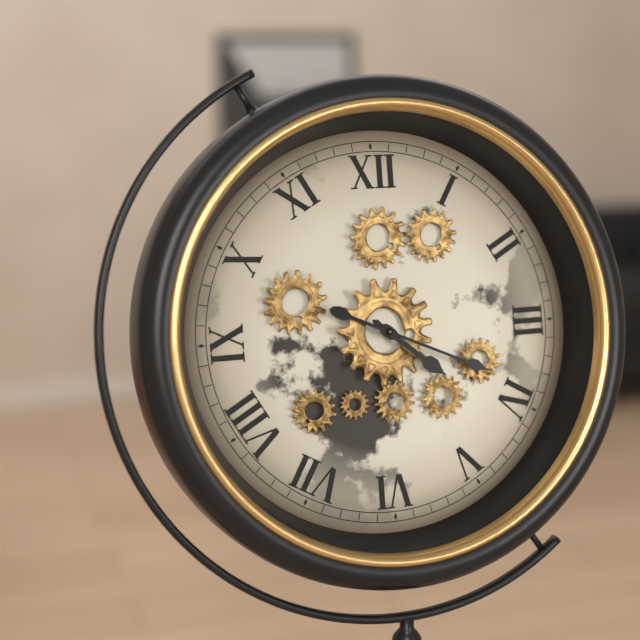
4:19
